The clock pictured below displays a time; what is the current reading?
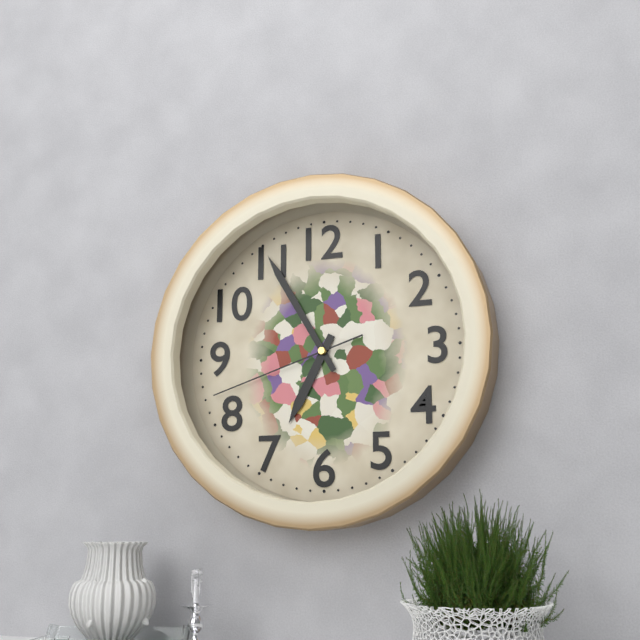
6:55:42
